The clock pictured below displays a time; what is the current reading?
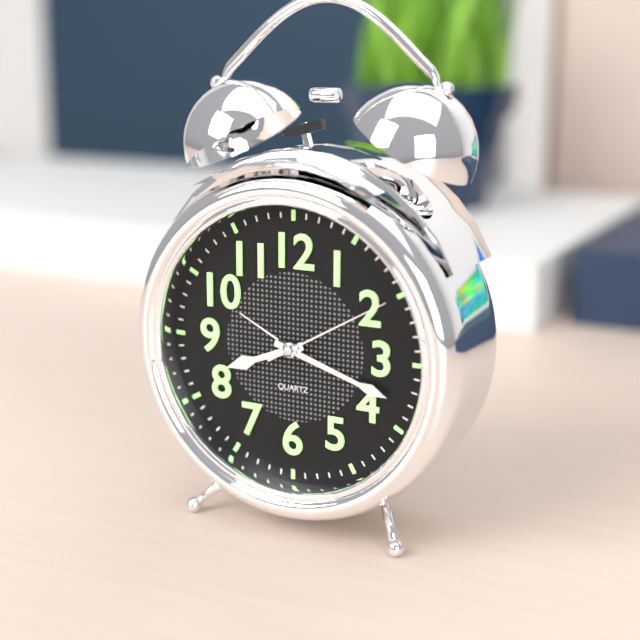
8:18:10
